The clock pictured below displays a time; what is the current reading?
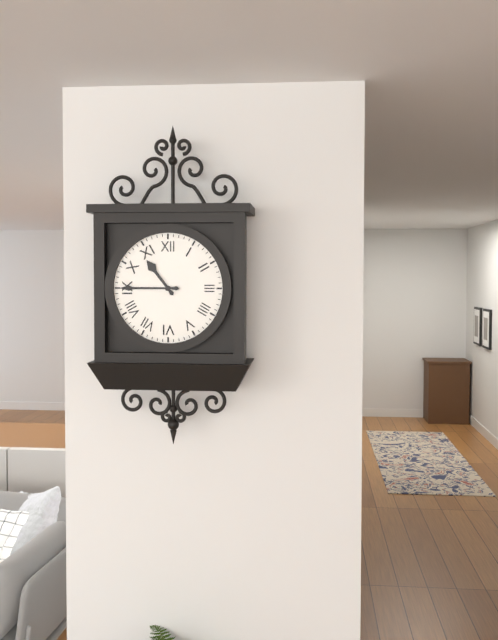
10:45
